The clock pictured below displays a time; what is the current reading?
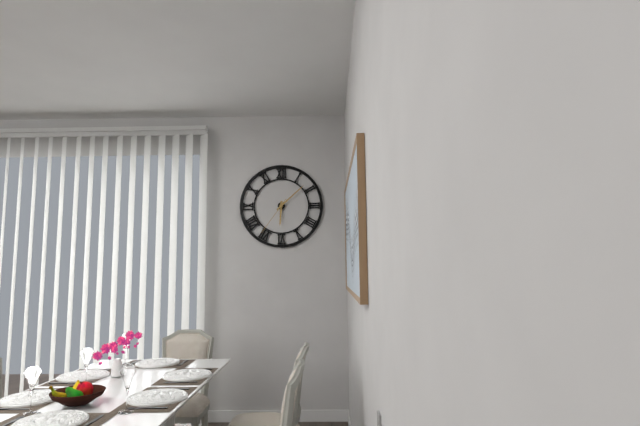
6:08
